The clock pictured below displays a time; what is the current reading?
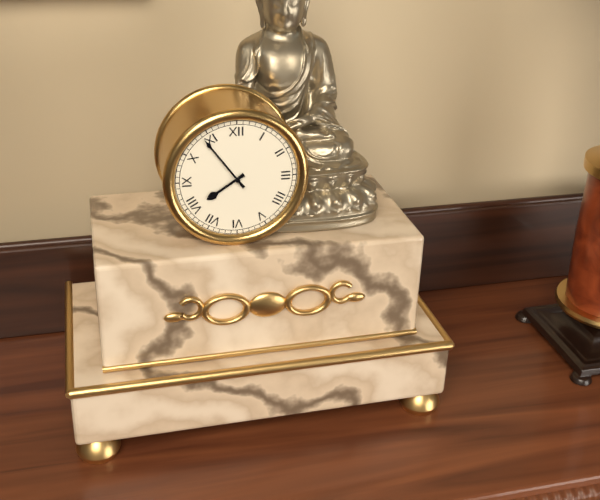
7:54
